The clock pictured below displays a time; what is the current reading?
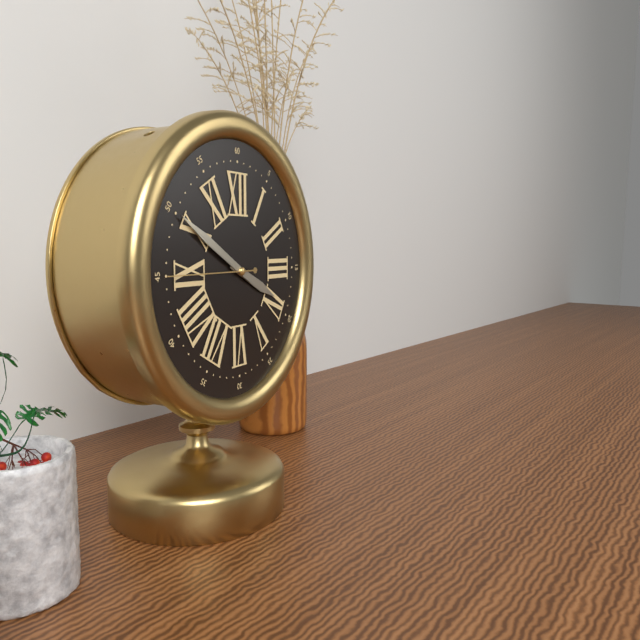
3:50:45
